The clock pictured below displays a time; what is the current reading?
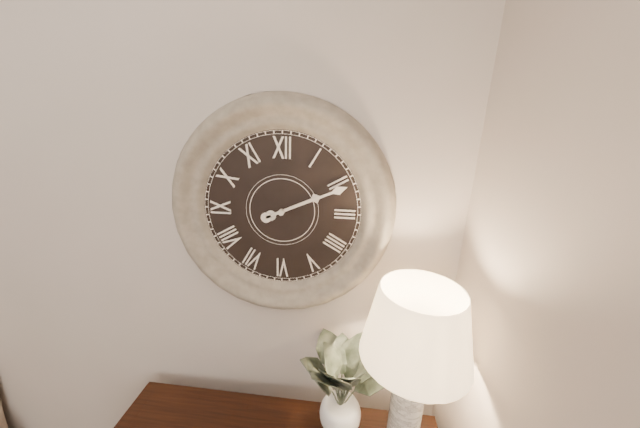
2:11
